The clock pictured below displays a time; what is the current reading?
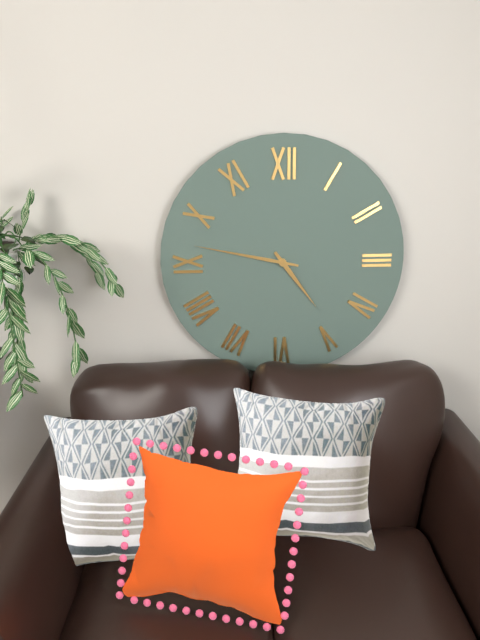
4:47
